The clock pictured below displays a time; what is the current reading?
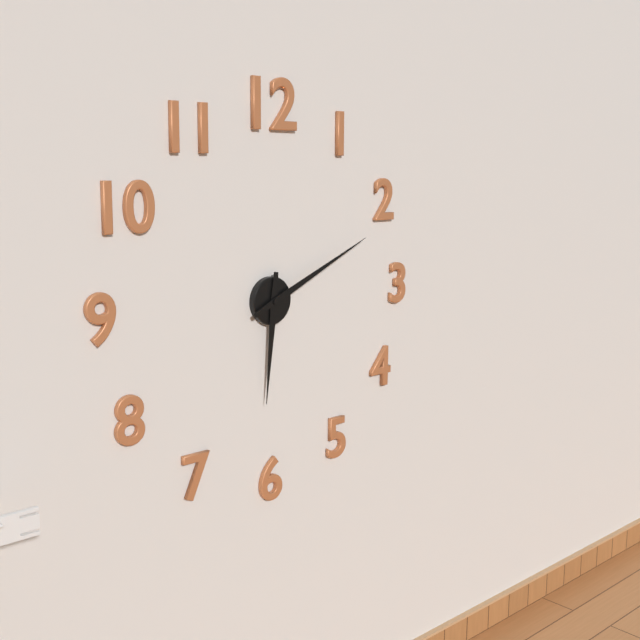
6:11
